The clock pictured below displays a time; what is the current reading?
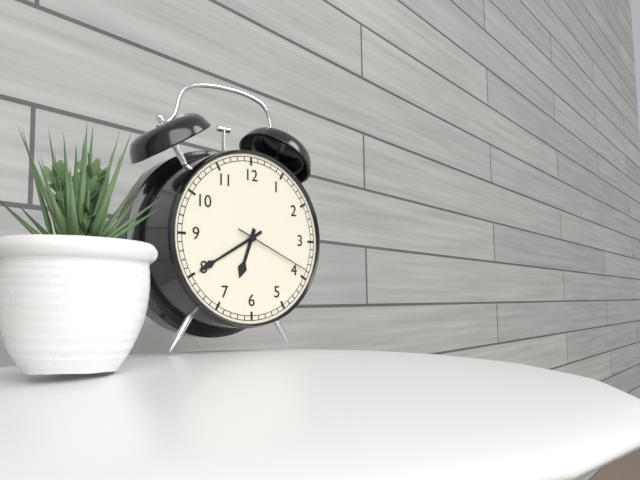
6:40:19
